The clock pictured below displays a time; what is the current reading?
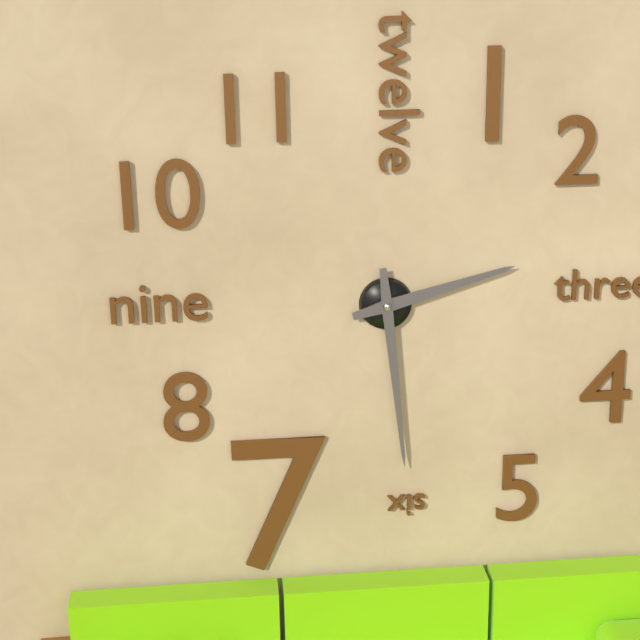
2:29
